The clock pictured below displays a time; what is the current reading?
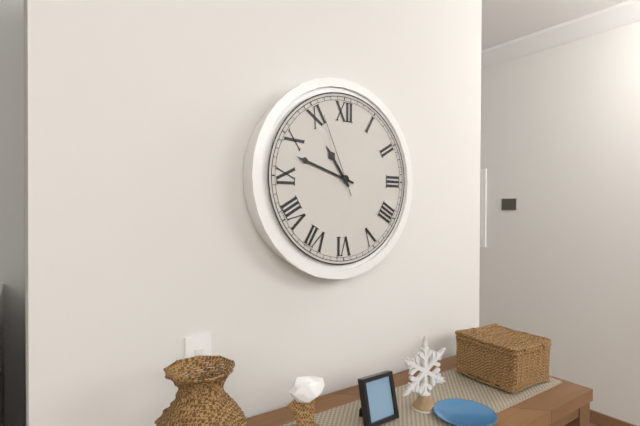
10:48:56
